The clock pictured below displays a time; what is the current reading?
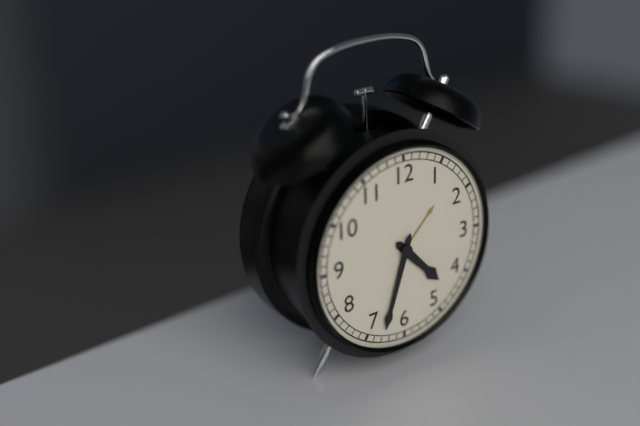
4:33
